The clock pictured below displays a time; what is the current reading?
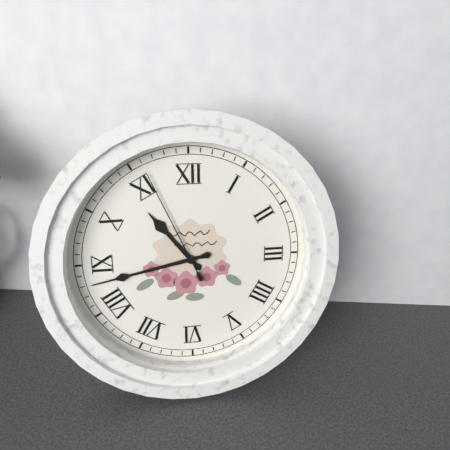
10:43:56
